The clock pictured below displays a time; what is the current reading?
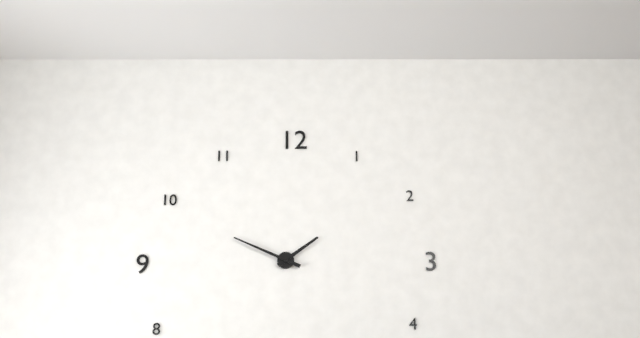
1:49
